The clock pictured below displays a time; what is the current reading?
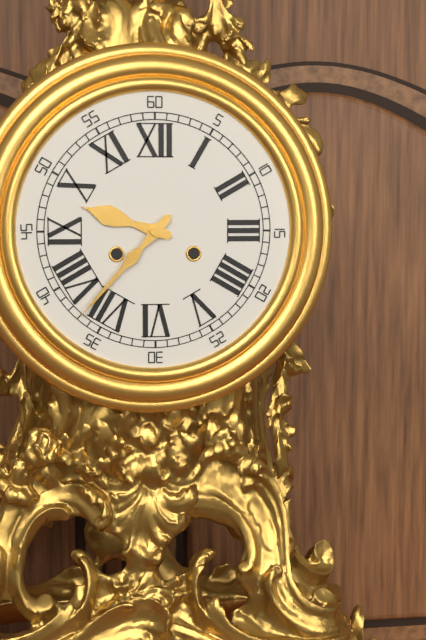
9:37
